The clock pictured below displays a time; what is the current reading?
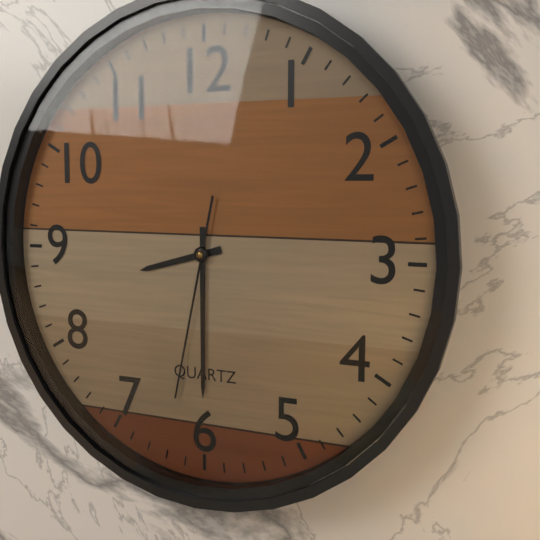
8:30:32
